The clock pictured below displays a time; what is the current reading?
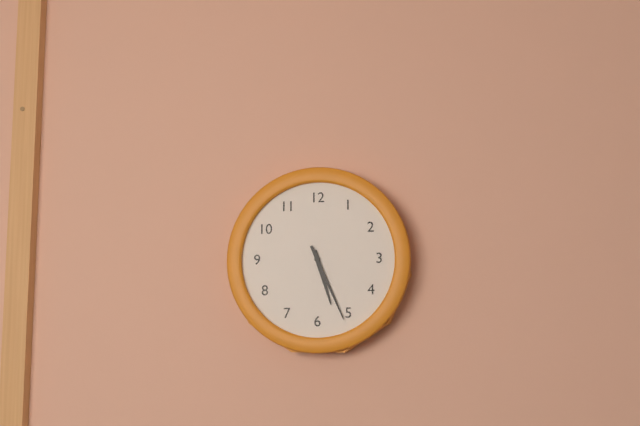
5:26
